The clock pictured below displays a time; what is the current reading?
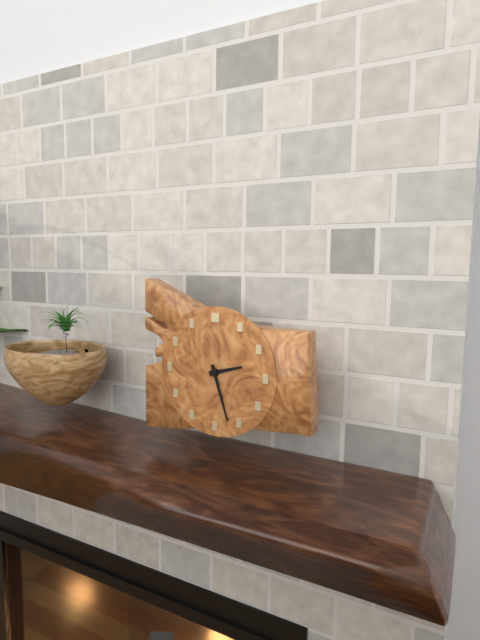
2:27
